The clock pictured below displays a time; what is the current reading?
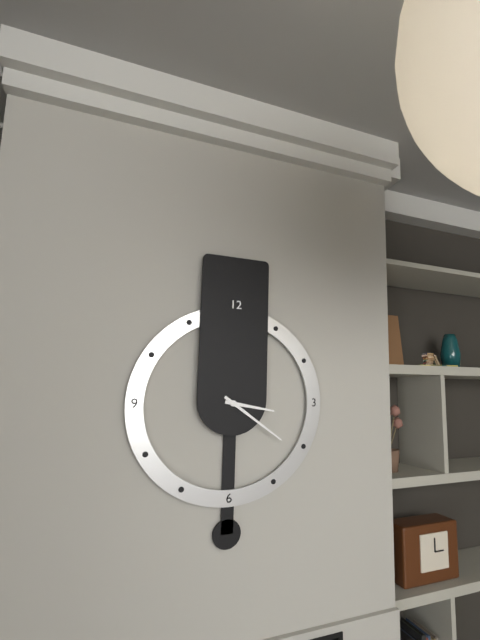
3:21
